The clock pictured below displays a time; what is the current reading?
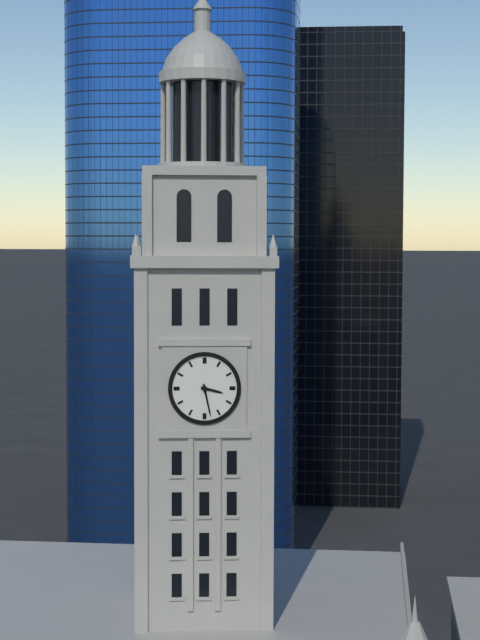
3:28
